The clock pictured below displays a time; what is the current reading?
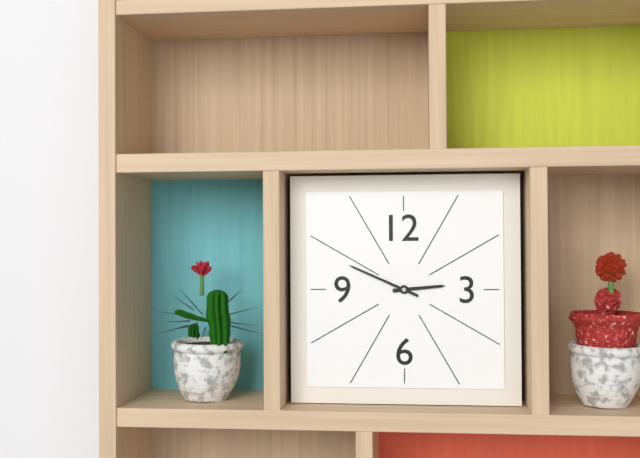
2:49
